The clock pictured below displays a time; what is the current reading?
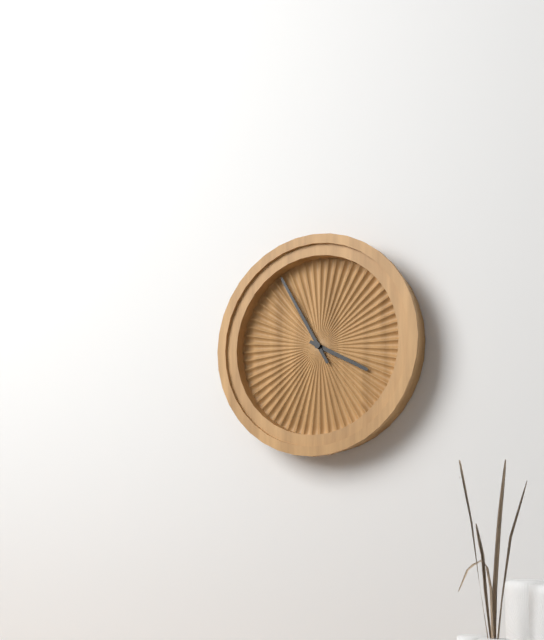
3:55
